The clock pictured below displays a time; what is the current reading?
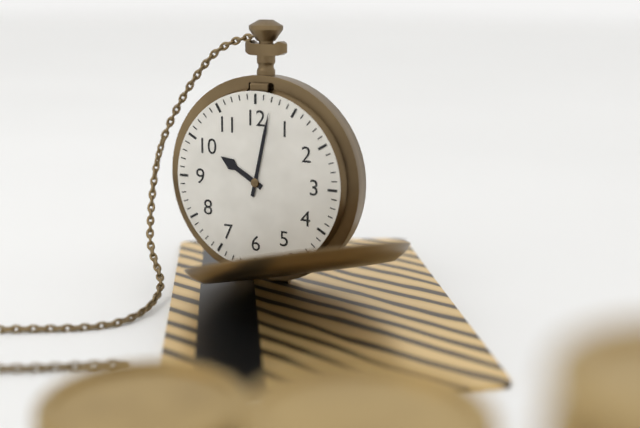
10:02
